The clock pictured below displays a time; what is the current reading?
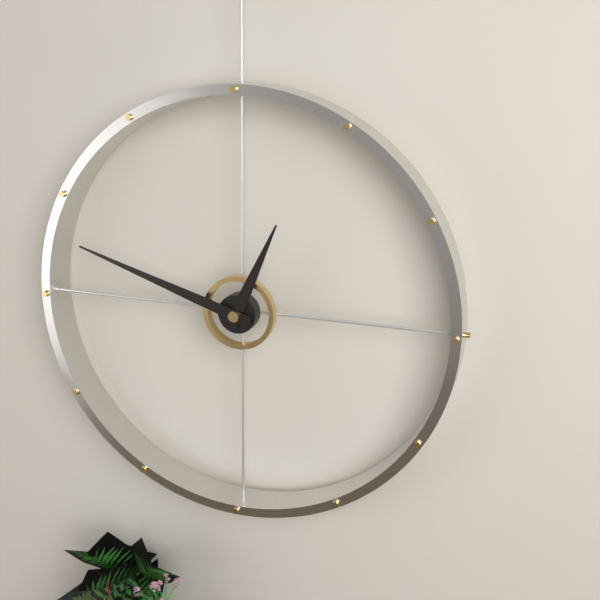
12:48
